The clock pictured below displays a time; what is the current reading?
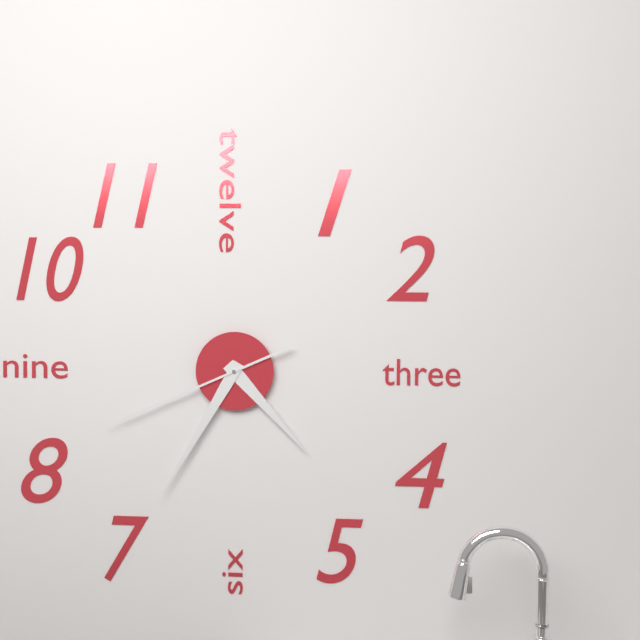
4:35:41
